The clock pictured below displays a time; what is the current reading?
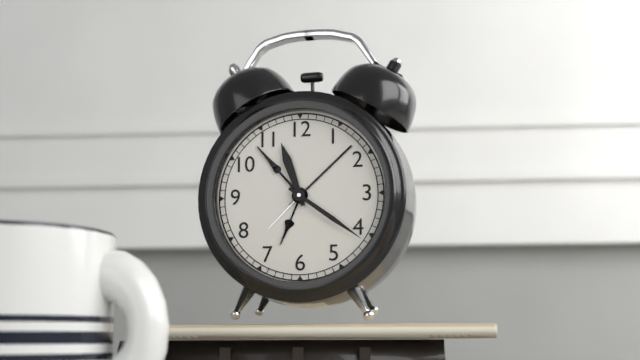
11:21
